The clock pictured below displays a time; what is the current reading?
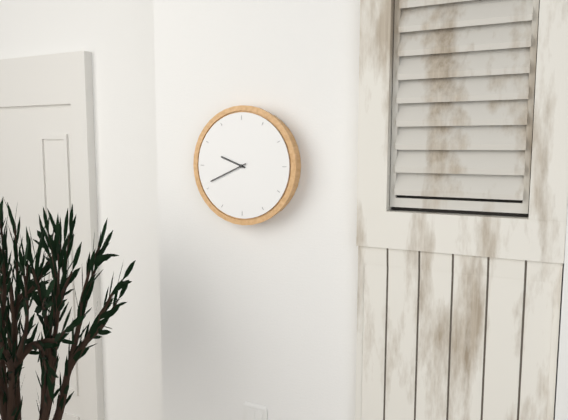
9:41
